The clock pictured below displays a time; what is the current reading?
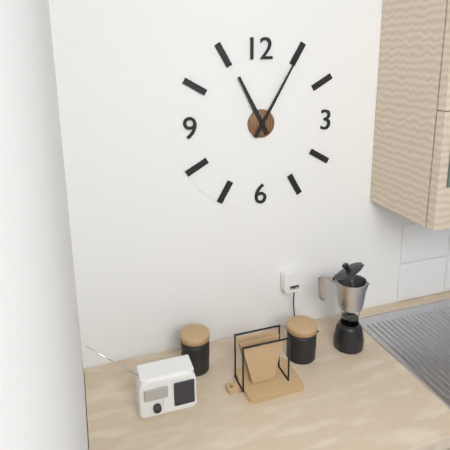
11:05
